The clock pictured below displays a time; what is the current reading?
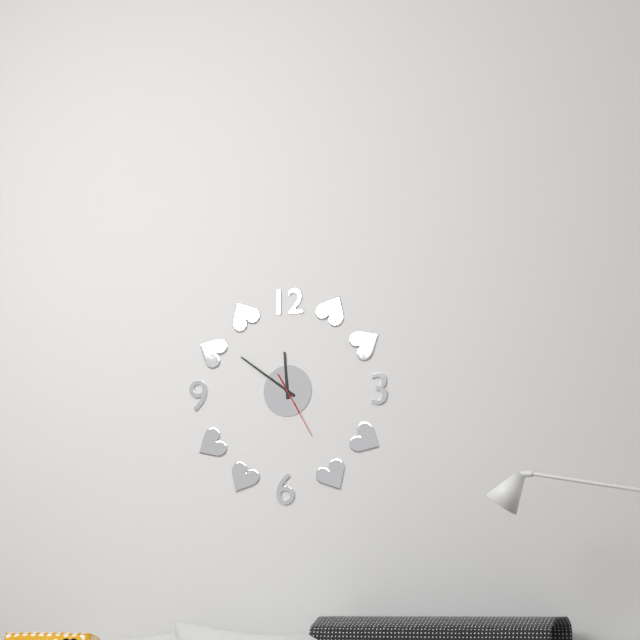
11:51:25
